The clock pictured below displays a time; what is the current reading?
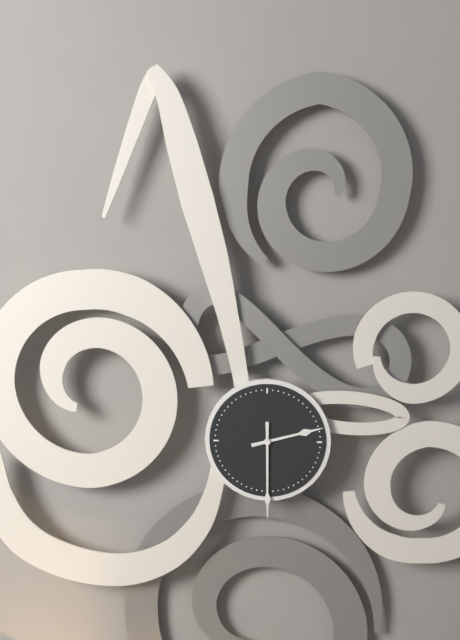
2:30
